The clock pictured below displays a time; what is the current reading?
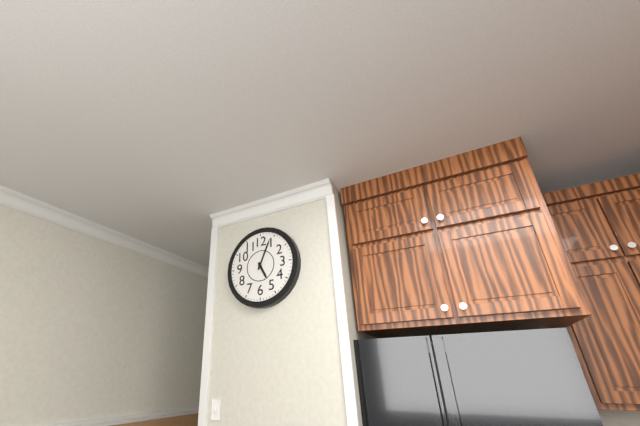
5:04
